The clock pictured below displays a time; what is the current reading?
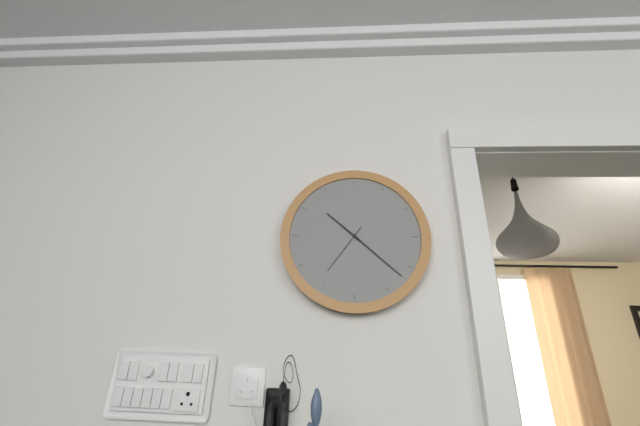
10:22:36
